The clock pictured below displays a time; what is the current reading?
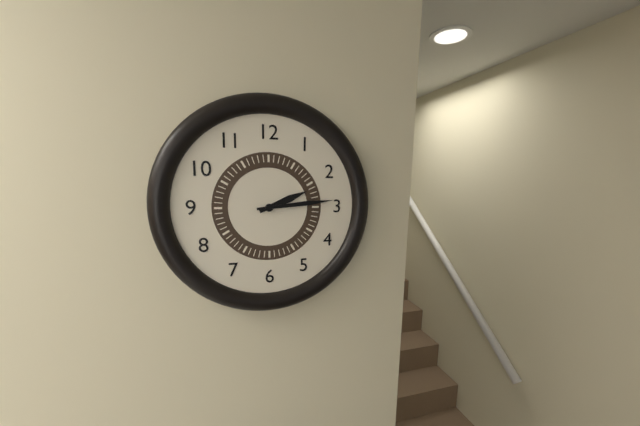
2:14
